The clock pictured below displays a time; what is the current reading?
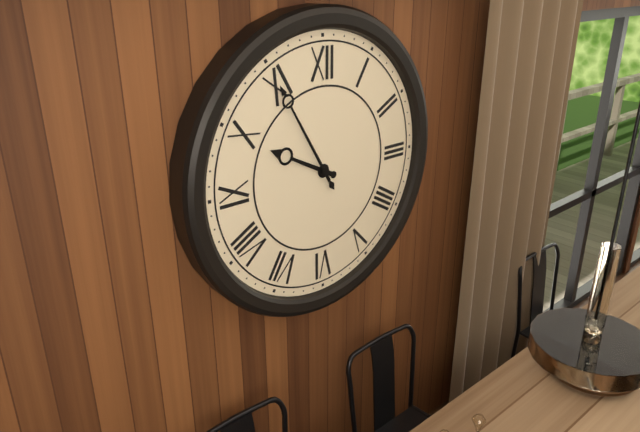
9:55
